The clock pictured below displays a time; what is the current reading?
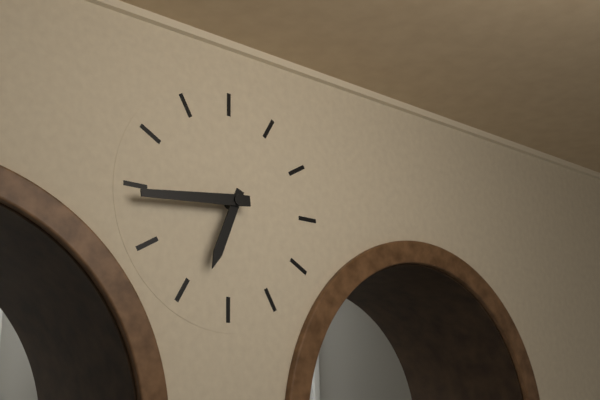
6:44
